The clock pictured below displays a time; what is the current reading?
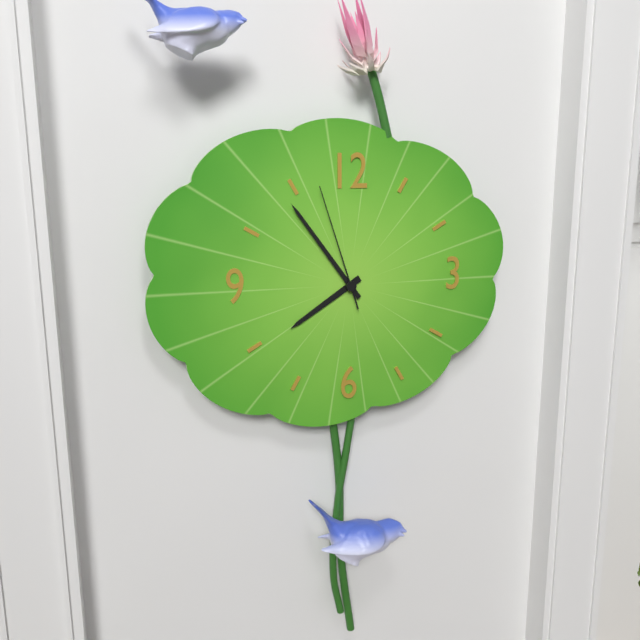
7:54:57
